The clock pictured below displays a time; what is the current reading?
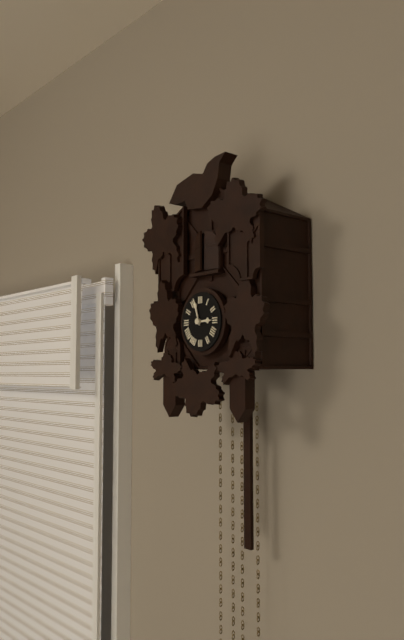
2:57
